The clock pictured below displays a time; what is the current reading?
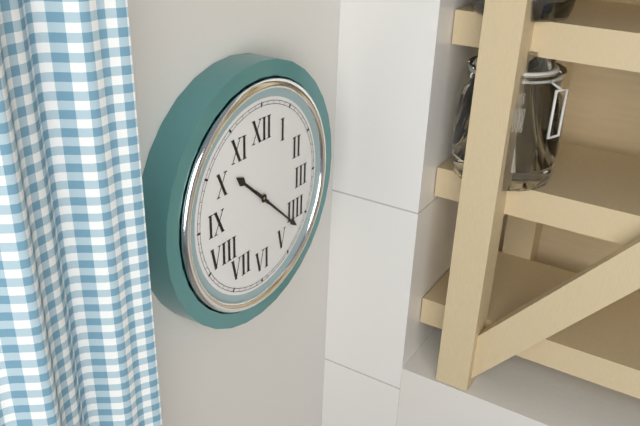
10:22
